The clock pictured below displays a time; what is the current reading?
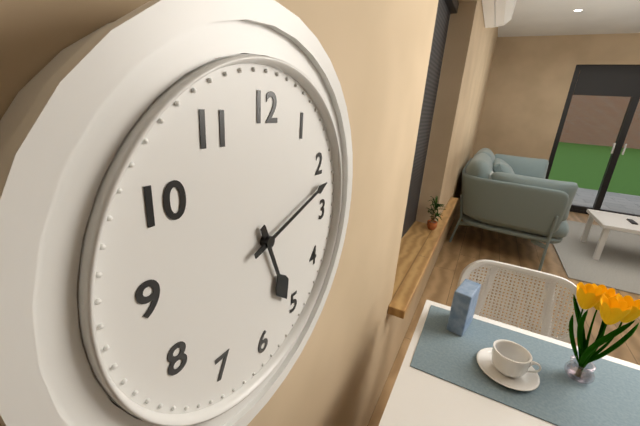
5:12
